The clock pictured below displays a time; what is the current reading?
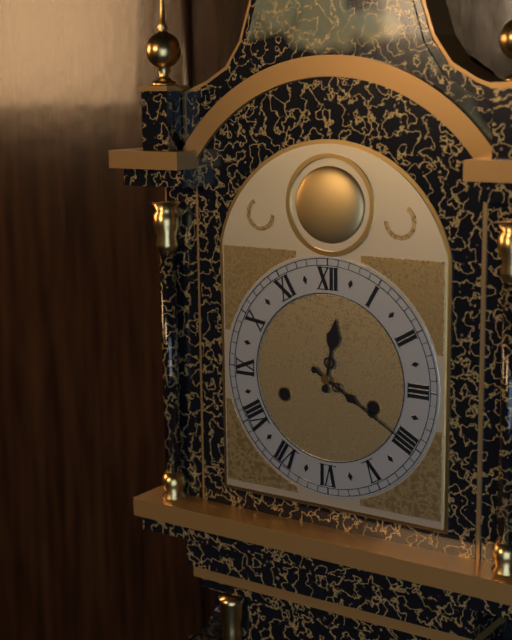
12:20
